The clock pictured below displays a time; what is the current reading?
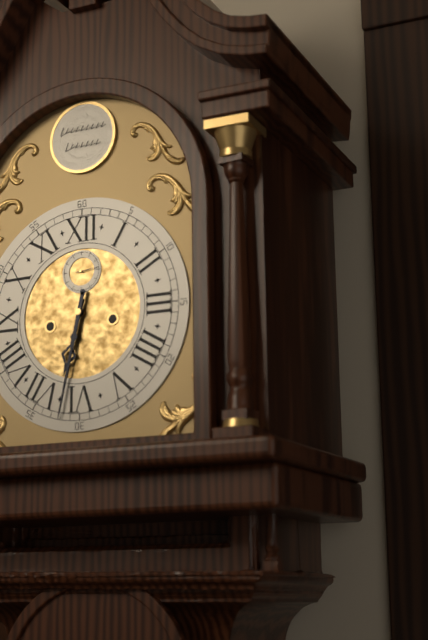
6:32:14
